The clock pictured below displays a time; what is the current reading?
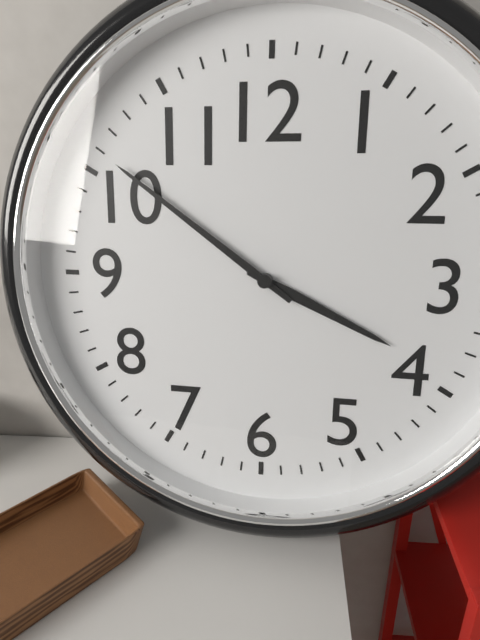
3:51
